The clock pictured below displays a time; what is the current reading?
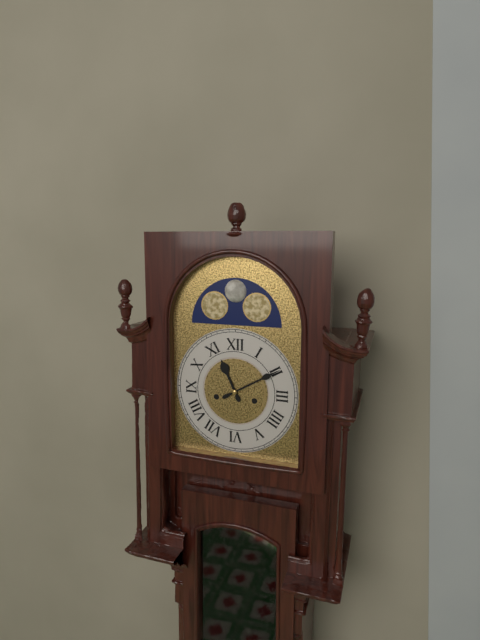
11:10
